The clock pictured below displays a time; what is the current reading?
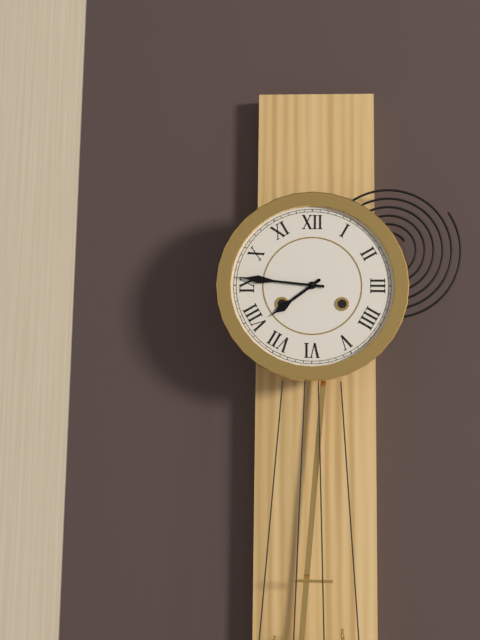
7:46
